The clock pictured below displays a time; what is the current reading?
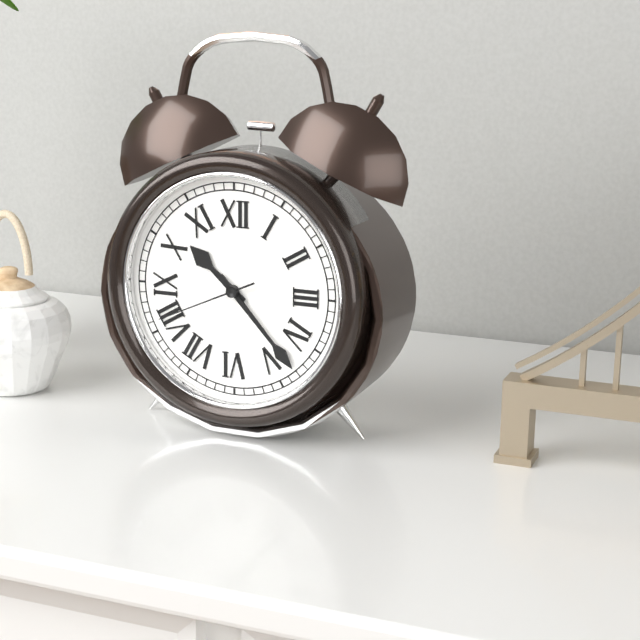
10:23:41
